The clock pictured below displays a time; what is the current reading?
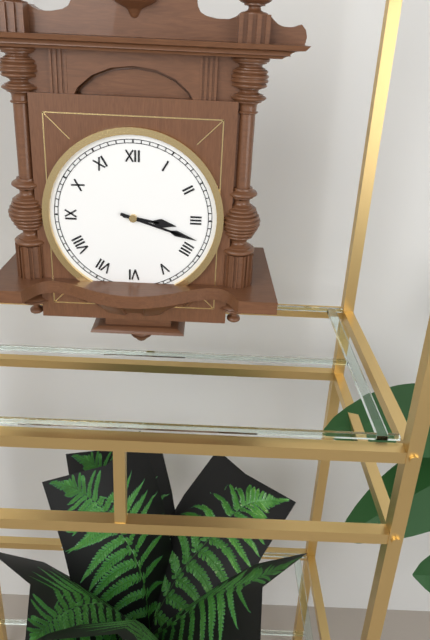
3:18
